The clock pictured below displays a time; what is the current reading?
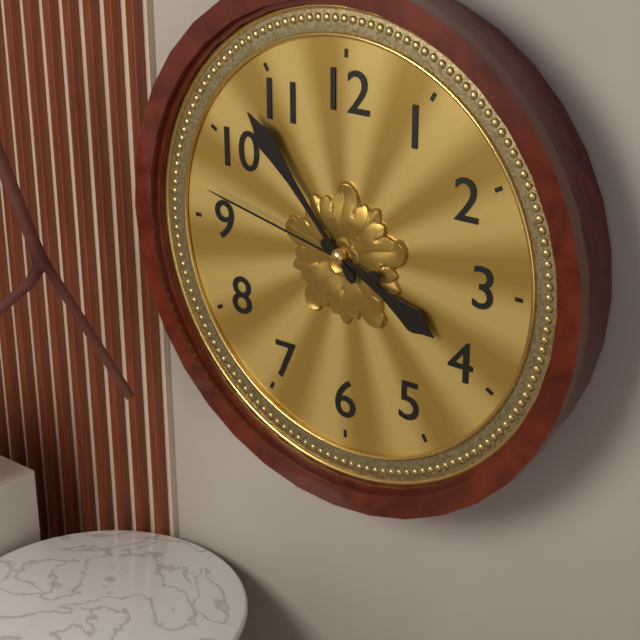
3:53:47
